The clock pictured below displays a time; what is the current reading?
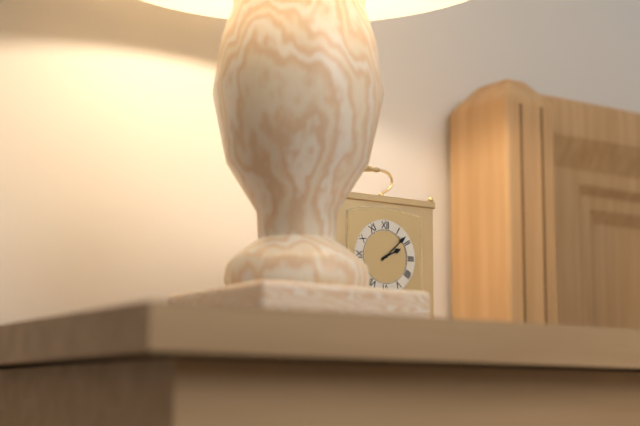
2:08
